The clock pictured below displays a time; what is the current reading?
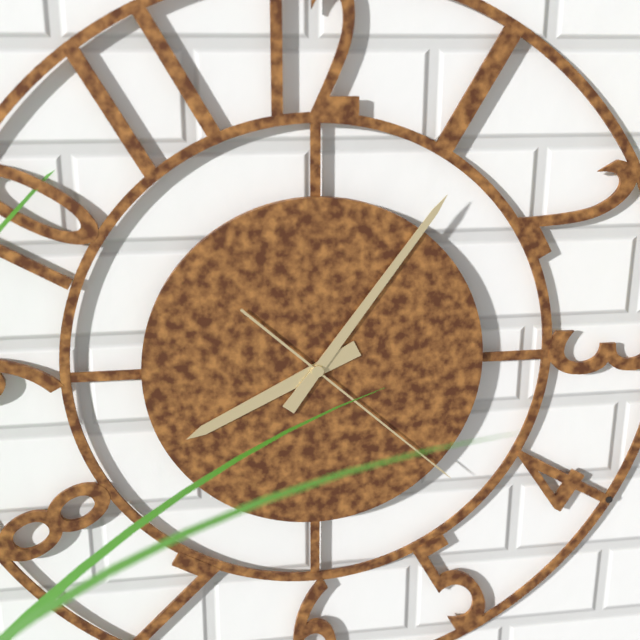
8:06:22
